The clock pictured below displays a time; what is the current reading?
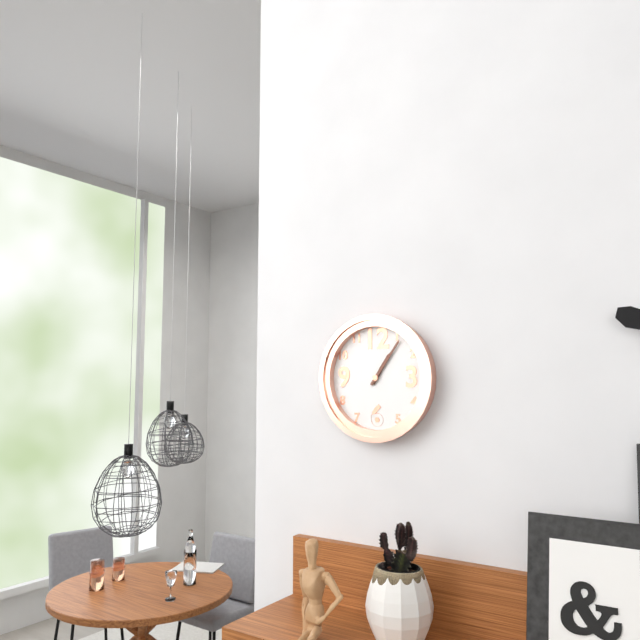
1:06
